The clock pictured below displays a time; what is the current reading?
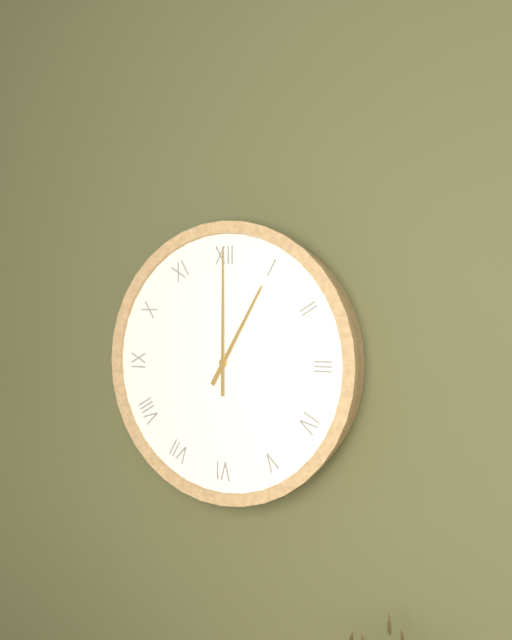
1:00
